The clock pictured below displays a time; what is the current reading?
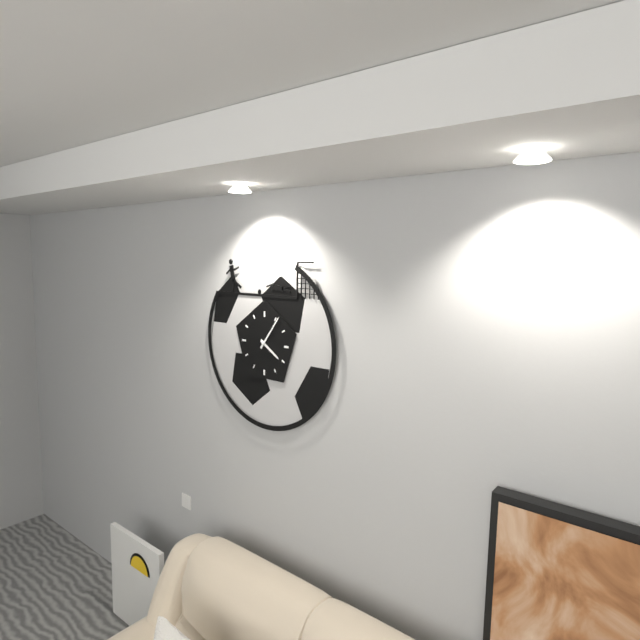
4:06
